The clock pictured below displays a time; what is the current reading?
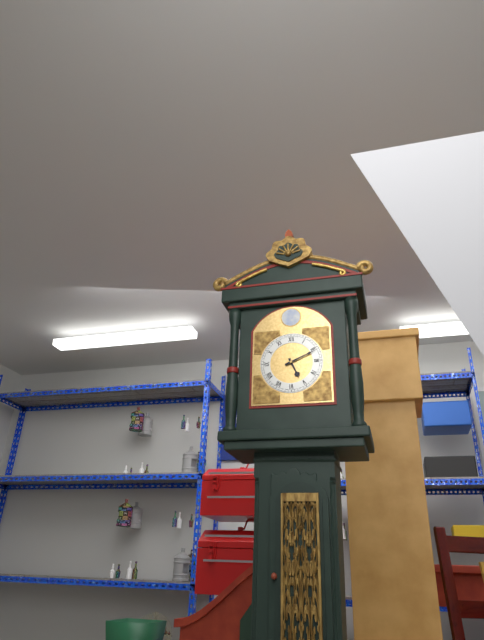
5:11
